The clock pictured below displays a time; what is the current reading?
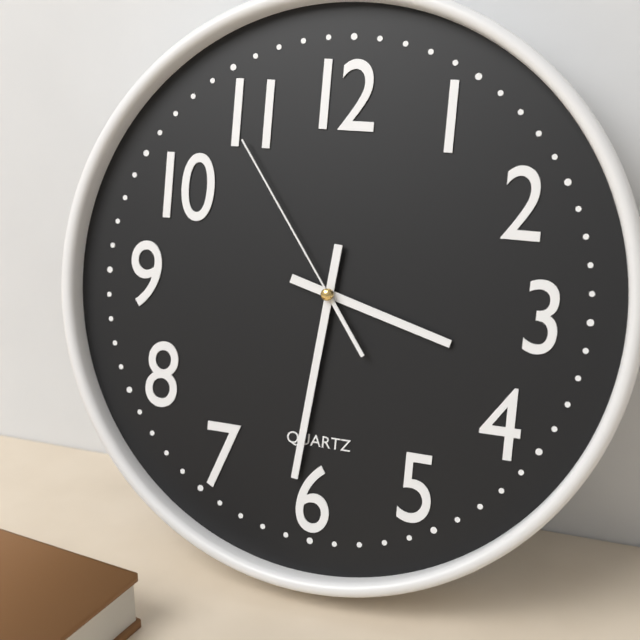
3:31:54
